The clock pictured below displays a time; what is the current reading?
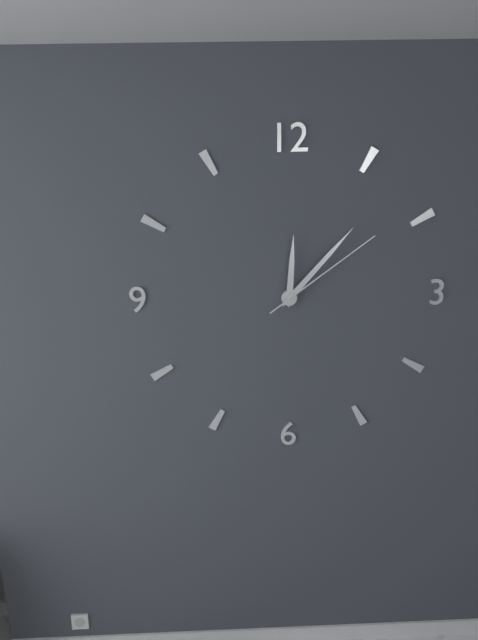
12:07:09
